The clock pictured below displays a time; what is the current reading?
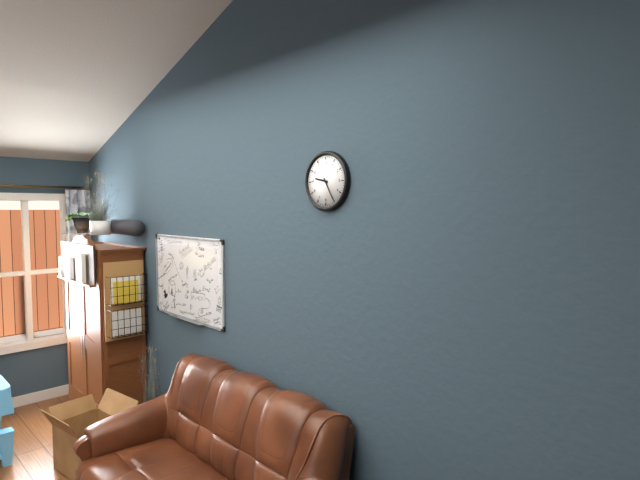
9:25
